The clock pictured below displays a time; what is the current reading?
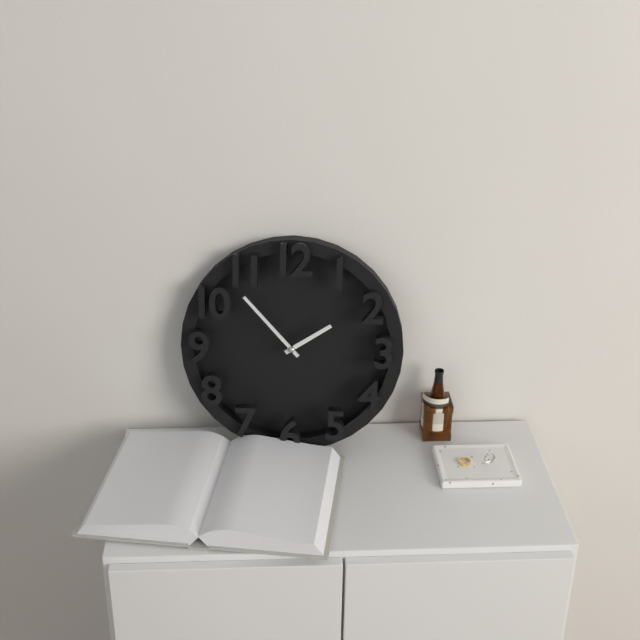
1:53
